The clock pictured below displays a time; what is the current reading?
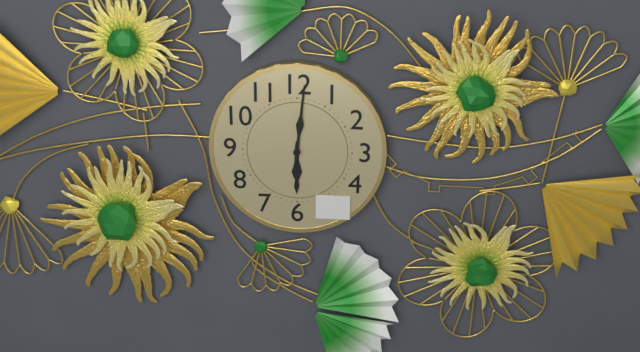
6:01
